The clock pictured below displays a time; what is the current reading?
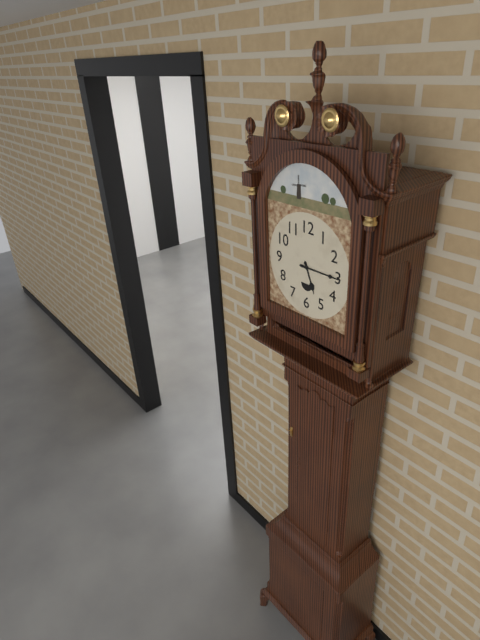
5:15
